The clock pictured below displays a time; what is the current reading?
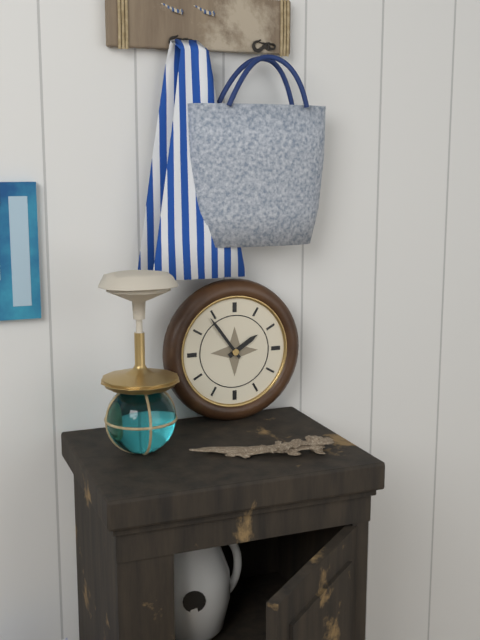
1:54
